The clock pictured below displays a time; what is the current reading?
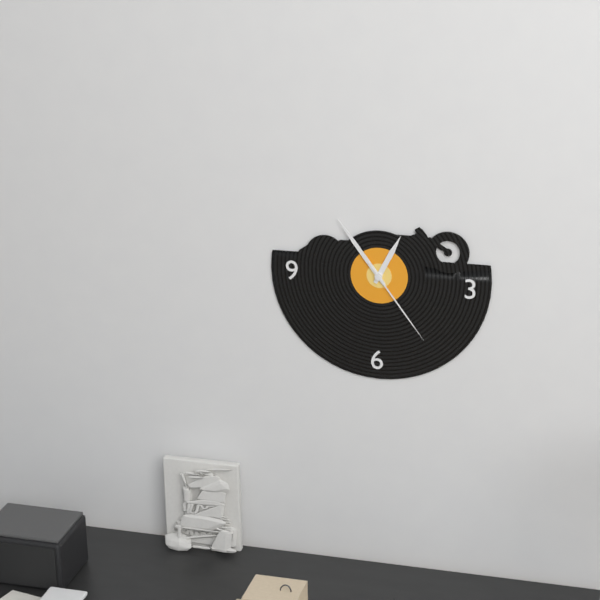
12:54:24
